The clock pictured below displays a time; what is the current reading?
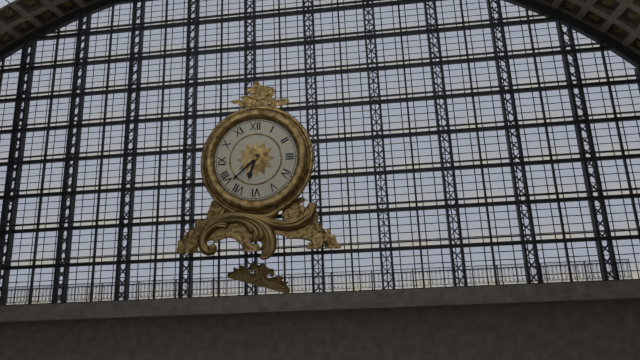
6:38
